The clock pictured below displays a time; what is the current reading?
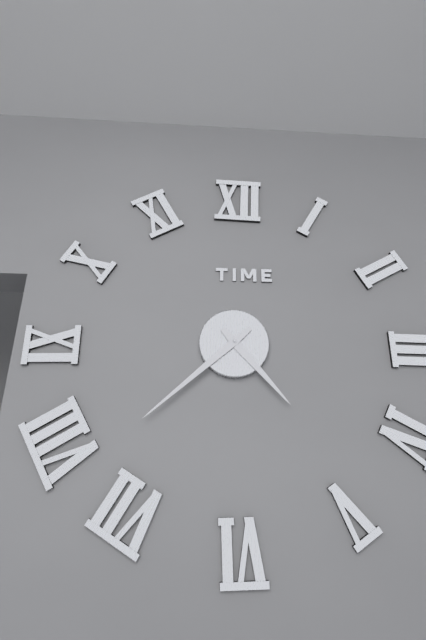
4:38
